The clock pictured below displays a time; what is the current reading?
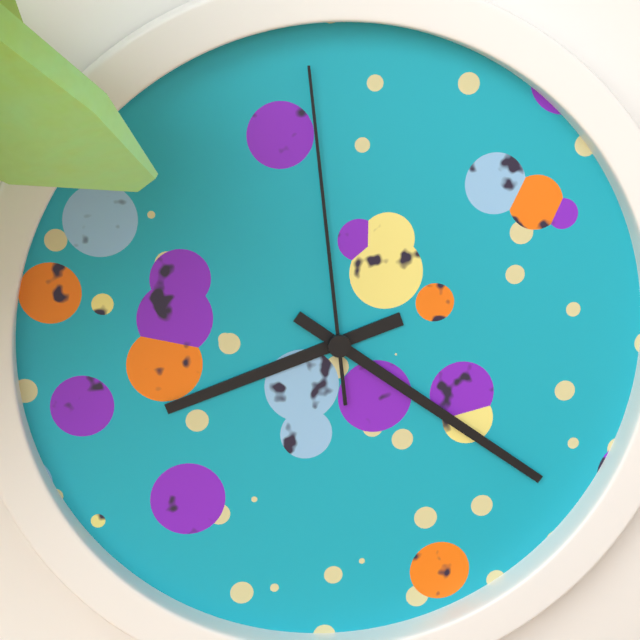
8:21:59
